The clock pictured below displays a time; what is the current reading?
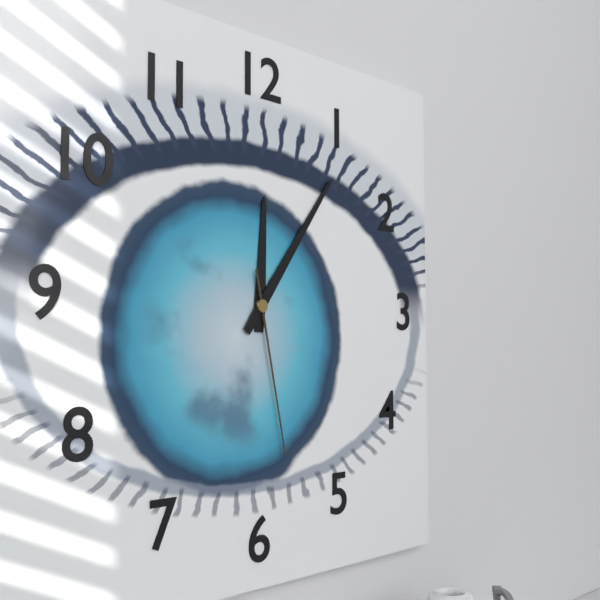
12:06:28
